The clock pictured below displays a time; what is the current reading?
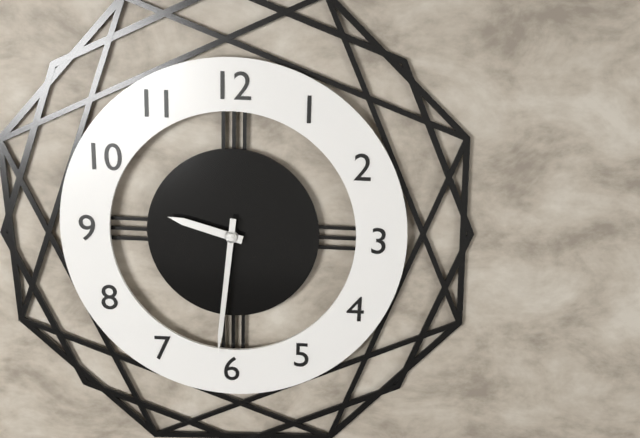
9:31
